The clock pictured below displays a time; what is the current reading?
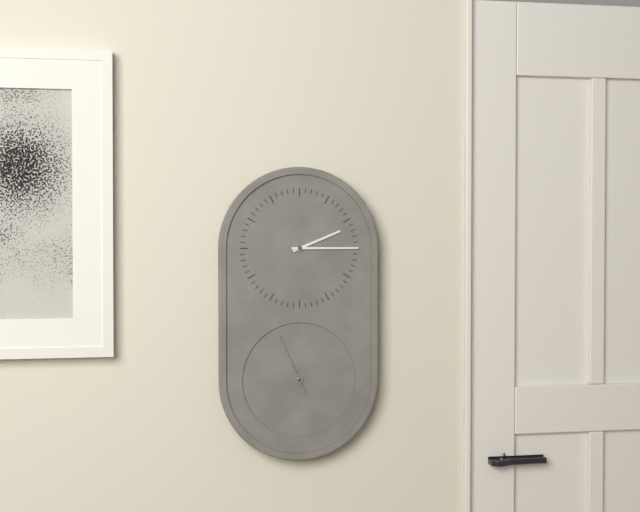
2:15:56
